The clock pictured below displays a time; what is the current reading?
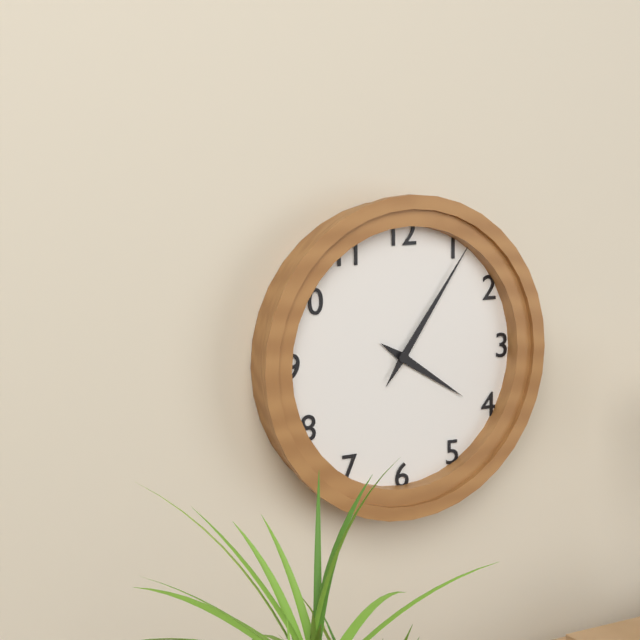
4:06
